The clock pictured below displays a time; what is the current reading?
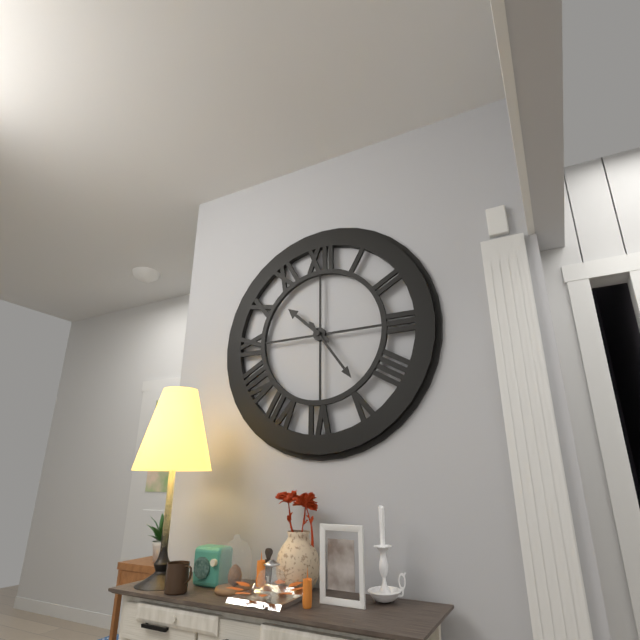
10:24
